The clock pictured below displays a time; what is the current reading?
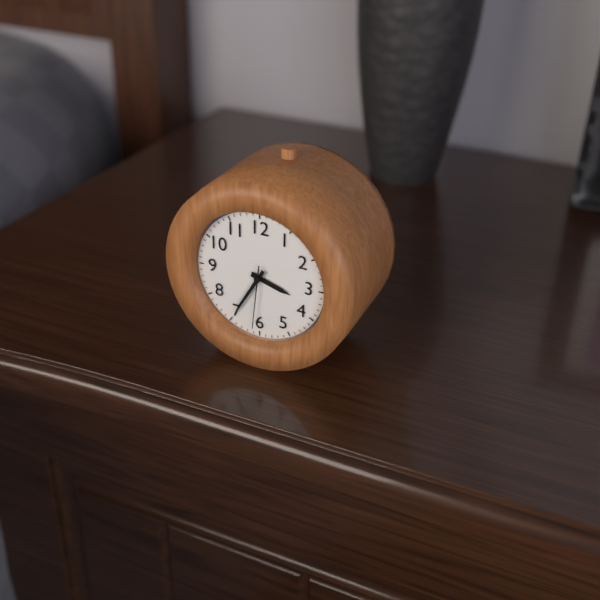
3:35:31
